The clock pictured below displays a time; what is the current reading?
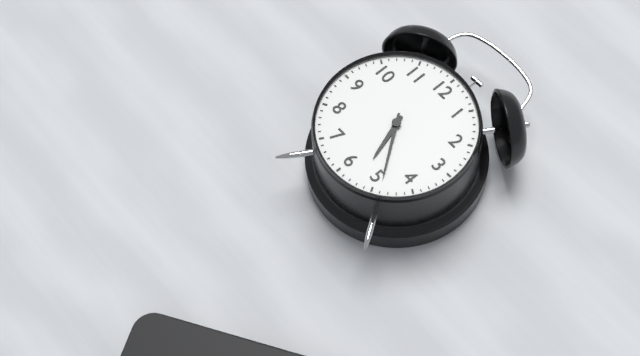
5:24
